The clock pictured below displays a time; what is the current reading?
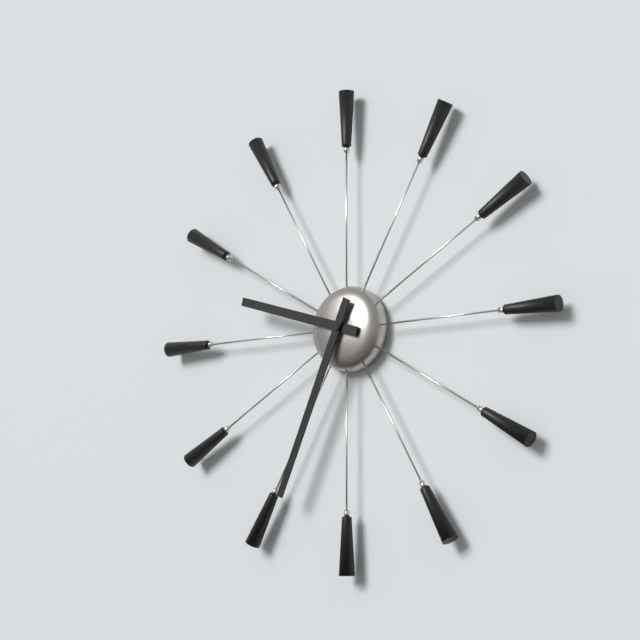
9:34
